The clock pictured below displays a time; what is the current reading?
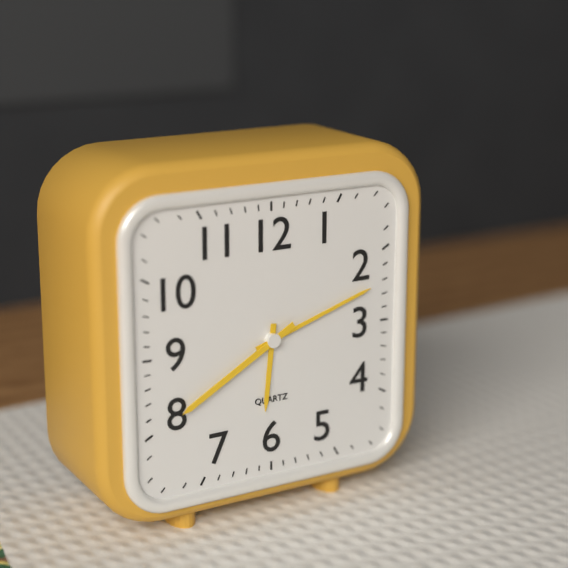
6:12:40
